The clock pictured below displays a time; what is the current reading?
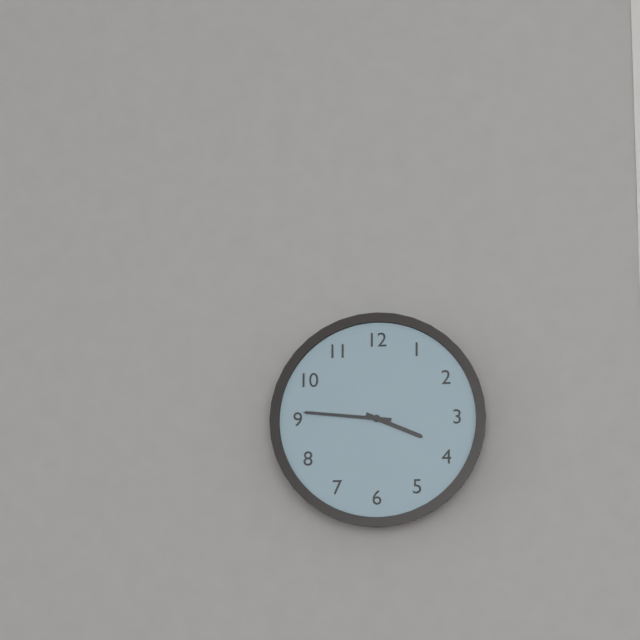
3:46
